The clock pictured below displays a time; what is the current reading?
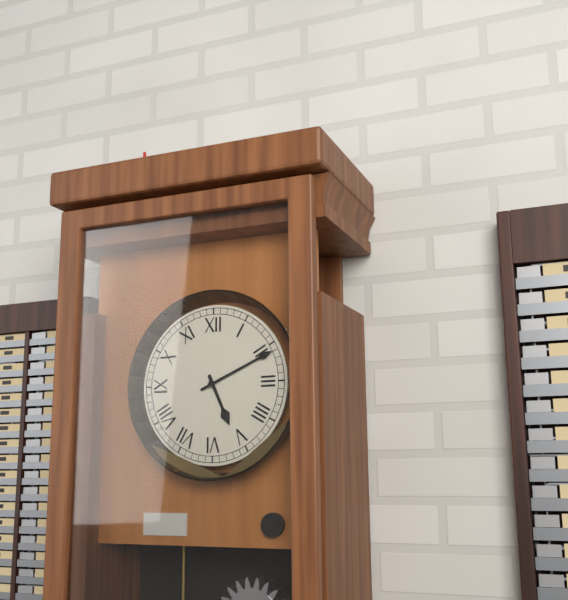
5:11
